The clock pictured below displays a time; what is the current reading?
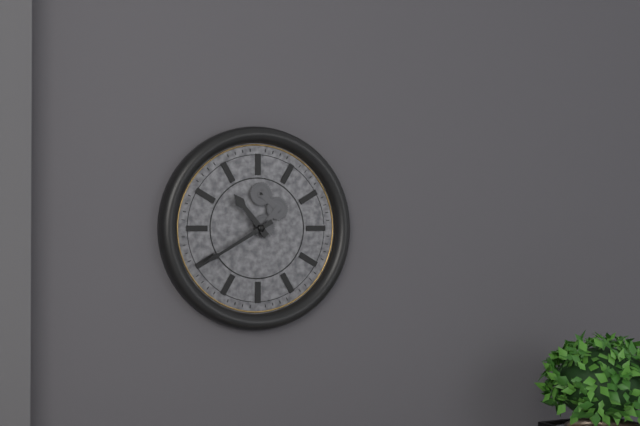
10:40
